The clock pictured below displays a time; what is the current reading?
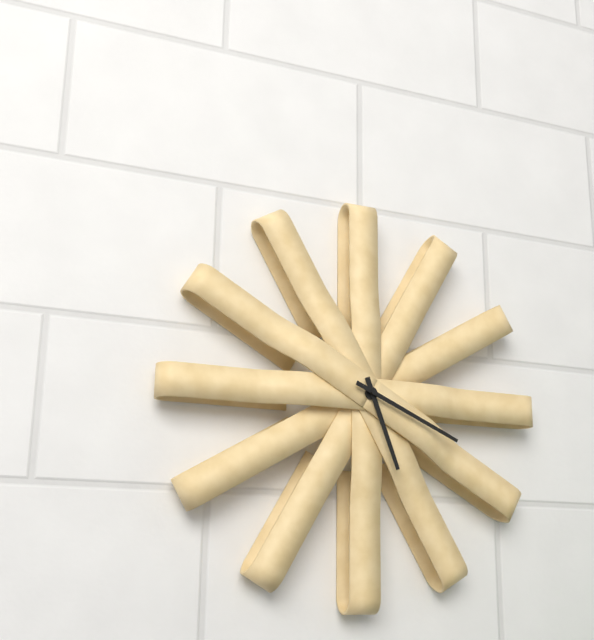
5:19
